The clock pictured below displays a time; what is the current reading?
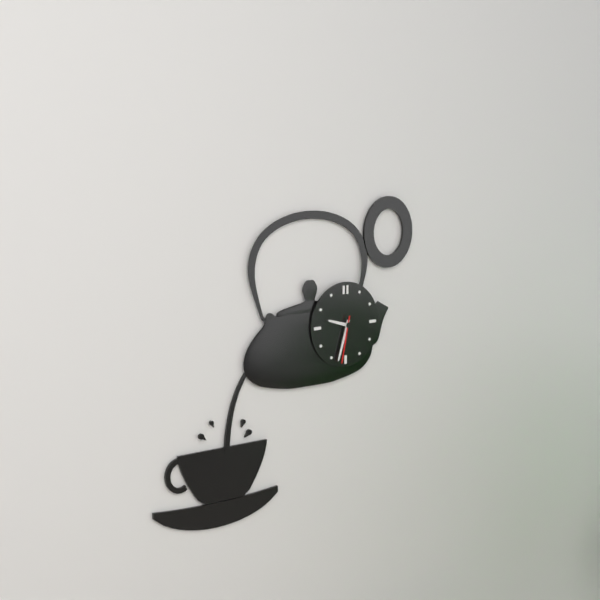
9:33
